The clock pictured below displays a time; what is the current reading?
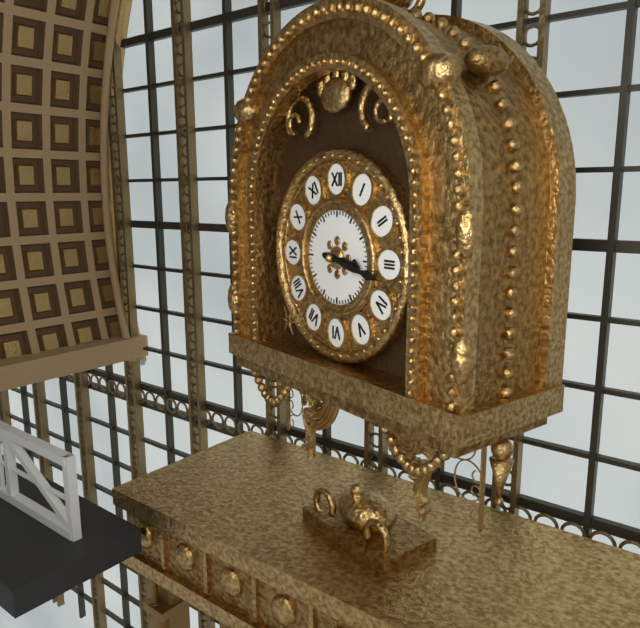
3:17
